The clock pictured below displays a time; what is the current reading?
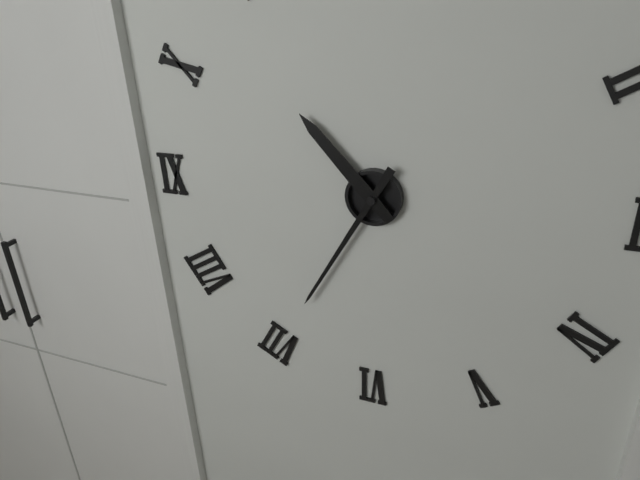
10:35
